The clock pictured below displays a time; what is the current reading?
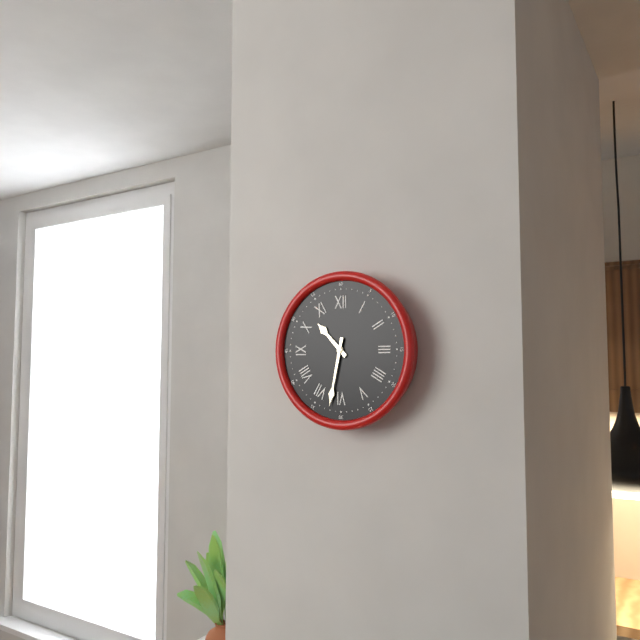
10:32
